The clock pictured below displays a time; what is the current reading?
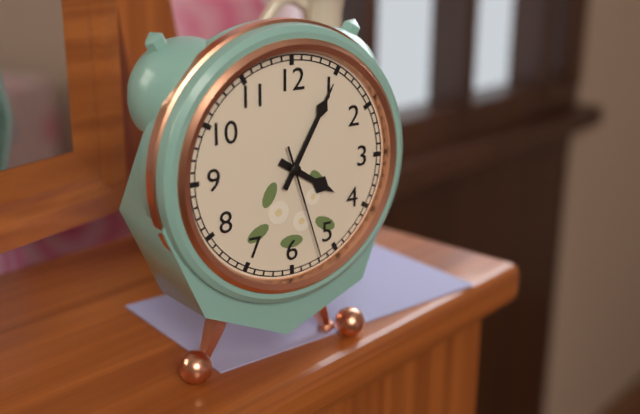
4:05:27
